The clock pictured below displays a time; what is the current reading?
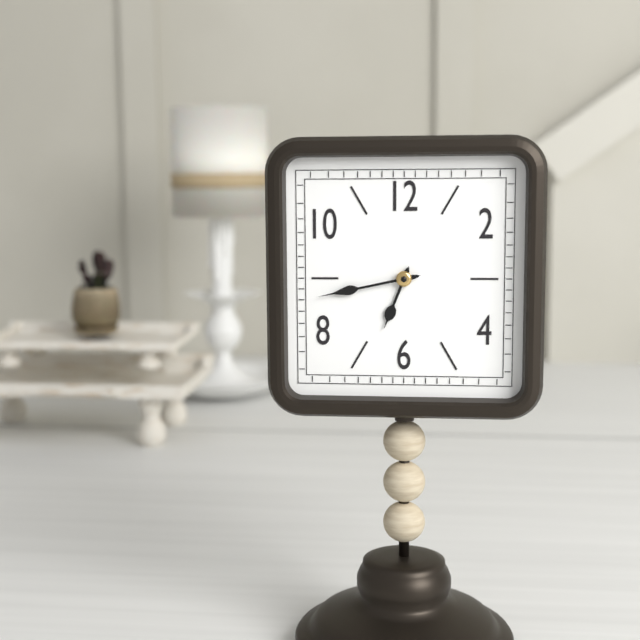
6:43
